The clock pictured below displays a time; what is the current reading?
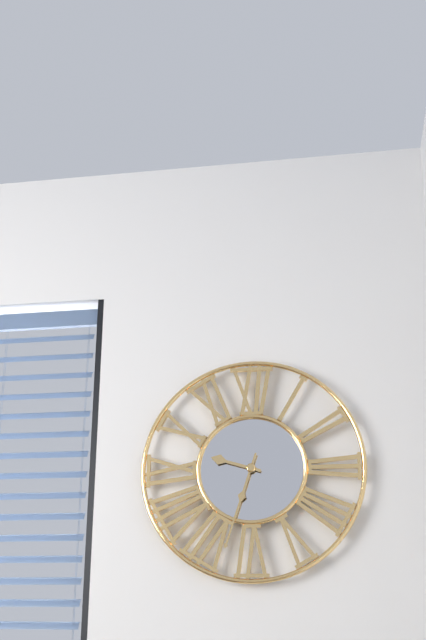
9:33
